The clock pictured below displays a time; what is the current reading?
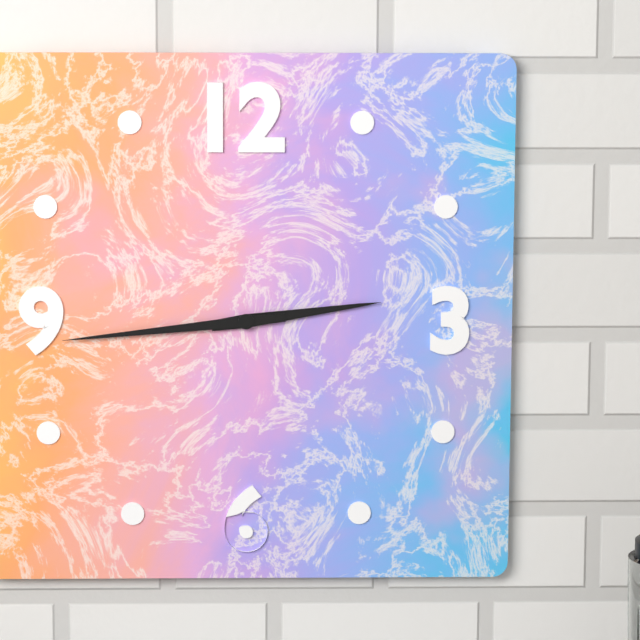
2:44
